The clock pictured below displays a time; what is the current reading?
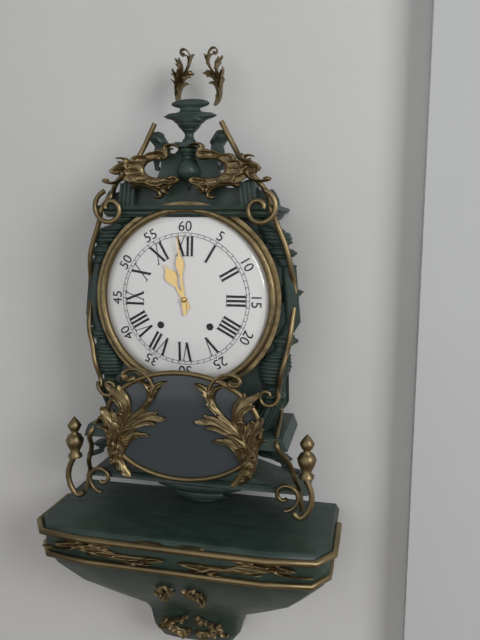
10:59
